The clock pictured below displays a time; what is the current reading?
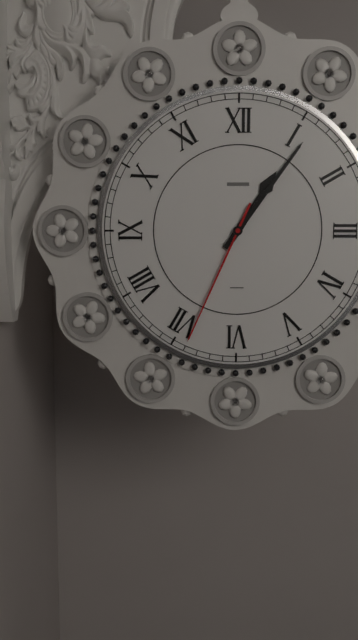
1:06:34
